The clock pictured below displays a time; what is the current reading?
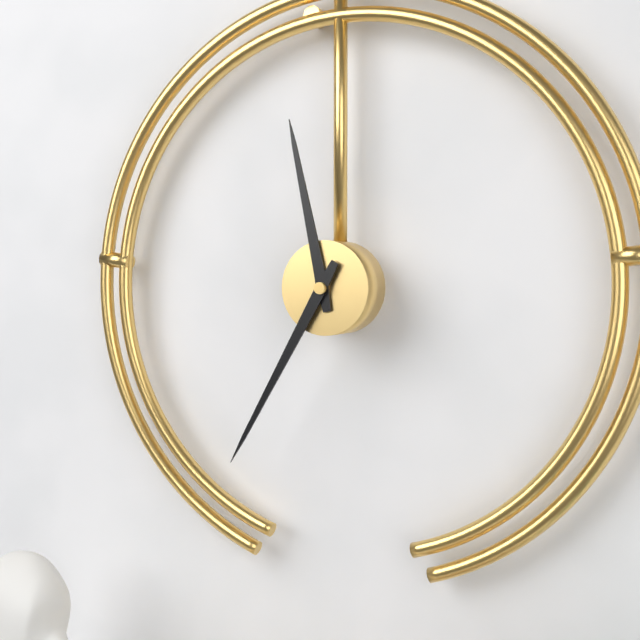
11:35
